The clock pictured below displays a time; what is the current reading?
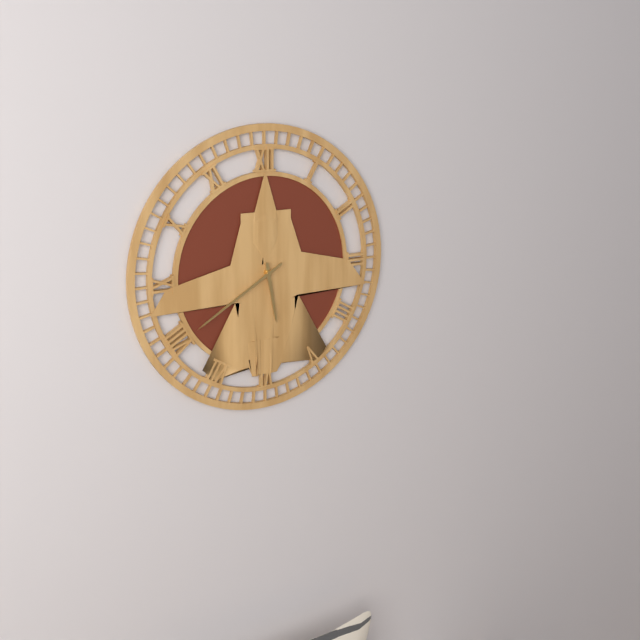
5:40
